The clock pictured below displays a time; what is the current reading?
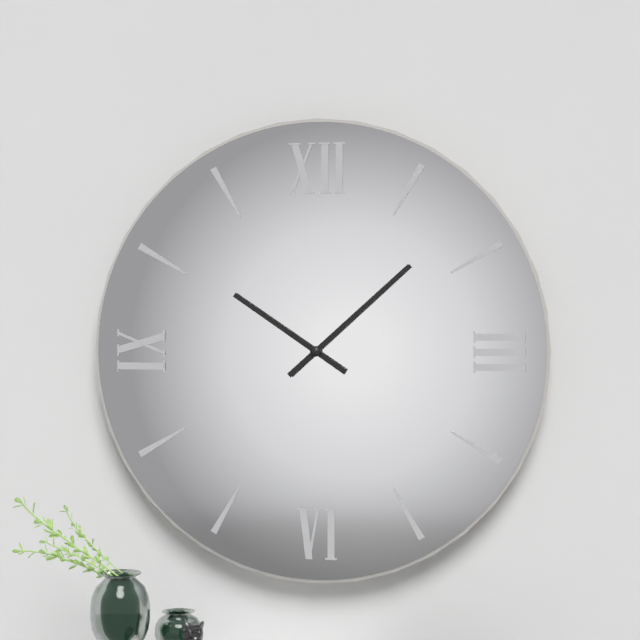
10:08
